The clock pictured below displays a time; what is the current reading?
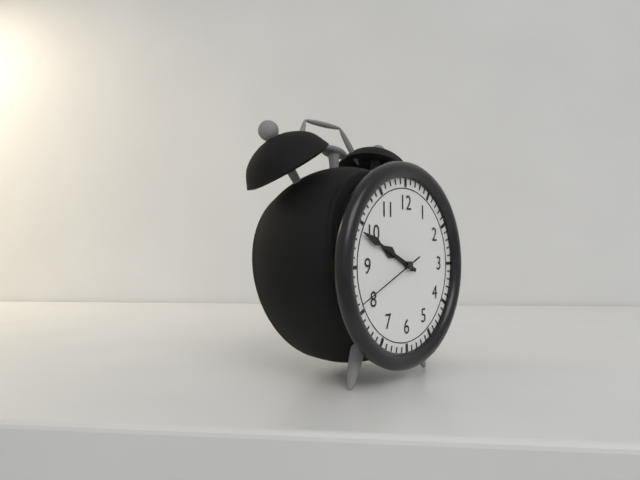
9:49:41
